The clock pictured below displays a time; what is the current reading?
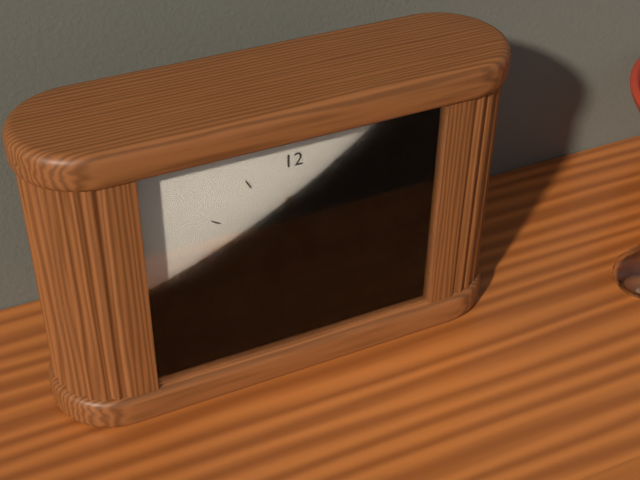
11:47
